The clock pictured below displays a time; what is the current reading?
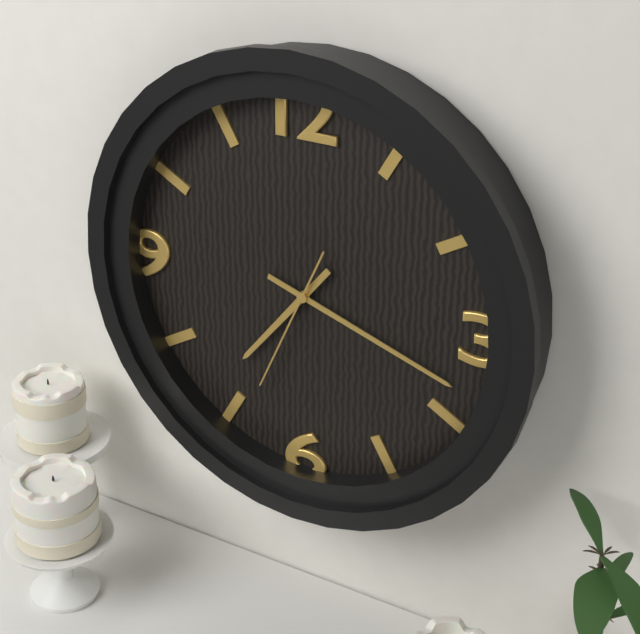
7:18:34
